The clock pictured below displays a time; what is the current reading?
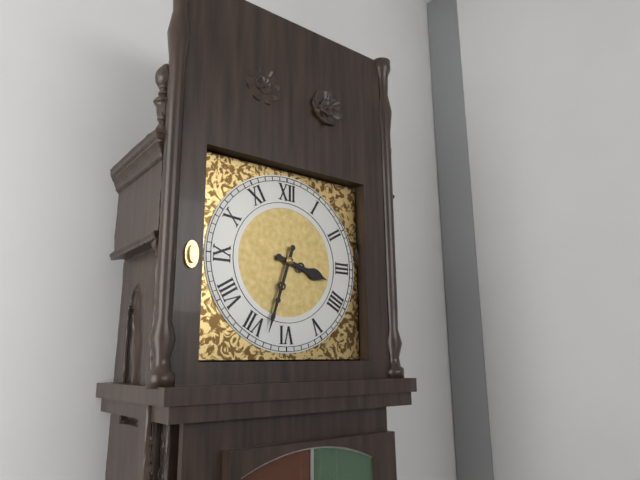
3:33
